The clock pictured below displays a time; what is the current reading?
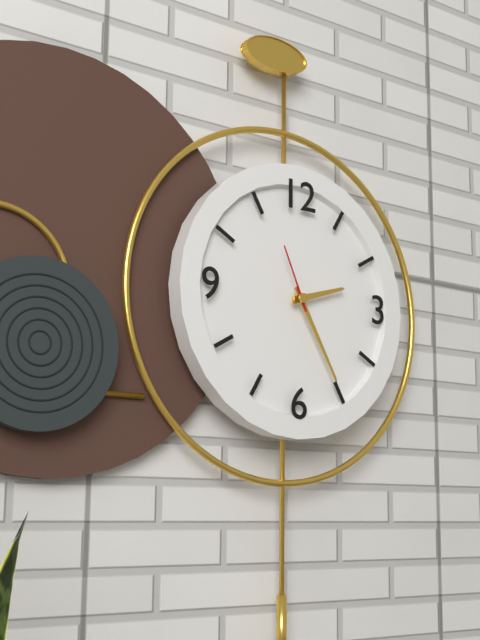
2:25:56
